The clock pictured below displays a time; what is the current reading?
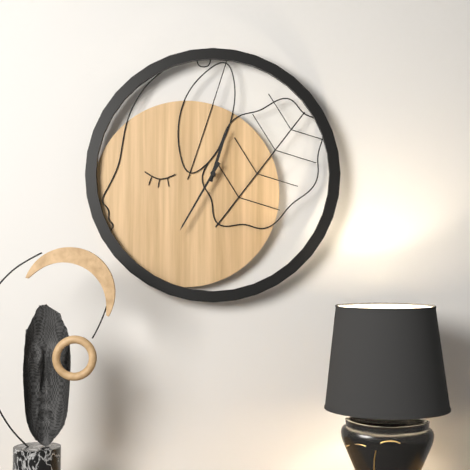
12:35
